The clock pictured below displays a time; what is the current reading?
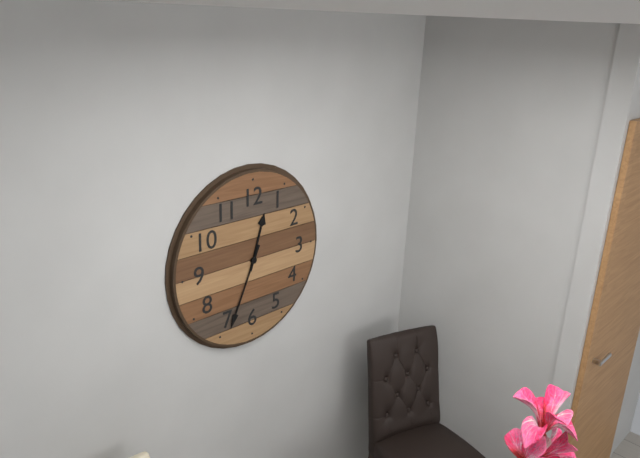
12:34
